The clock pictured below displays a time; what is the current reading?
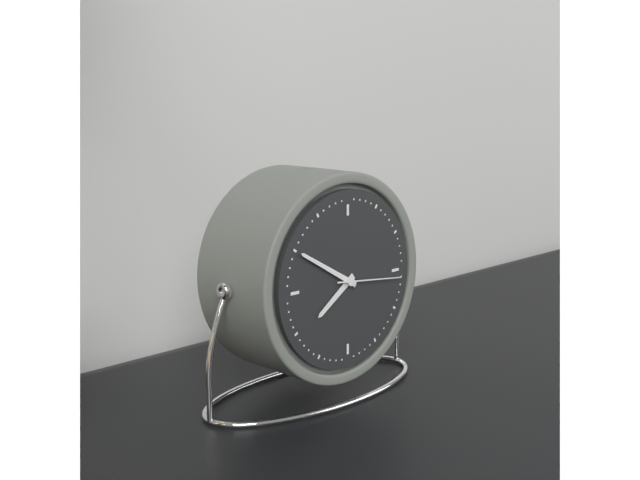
7:50:16
